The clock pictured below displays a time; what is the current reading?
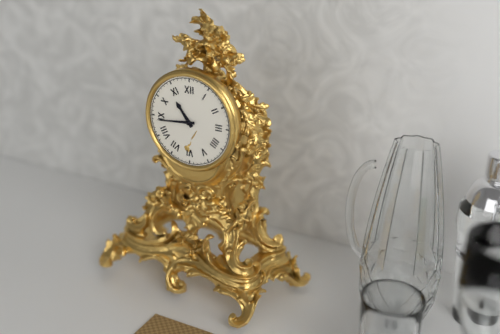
10:44
